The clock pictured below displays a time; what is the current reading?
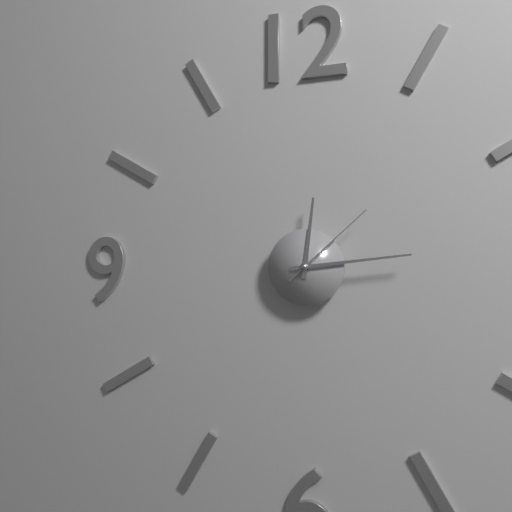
12:14:08
